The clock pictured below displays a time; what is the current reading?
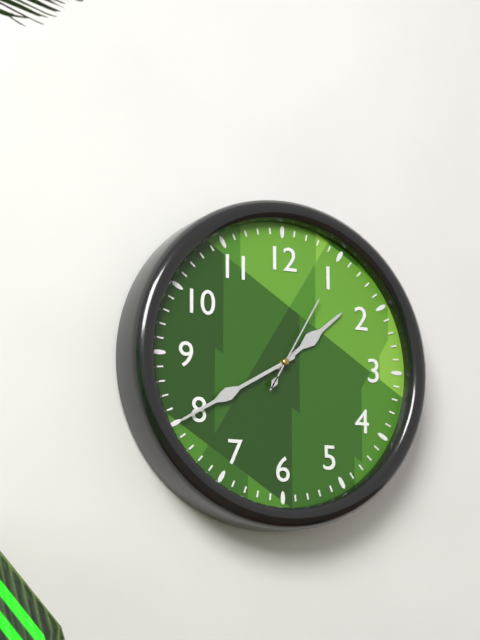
1:40:05
